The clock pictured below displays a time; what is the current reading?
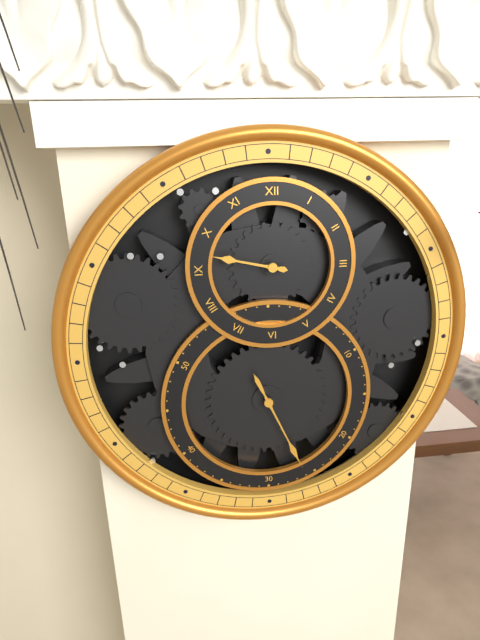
9:26
